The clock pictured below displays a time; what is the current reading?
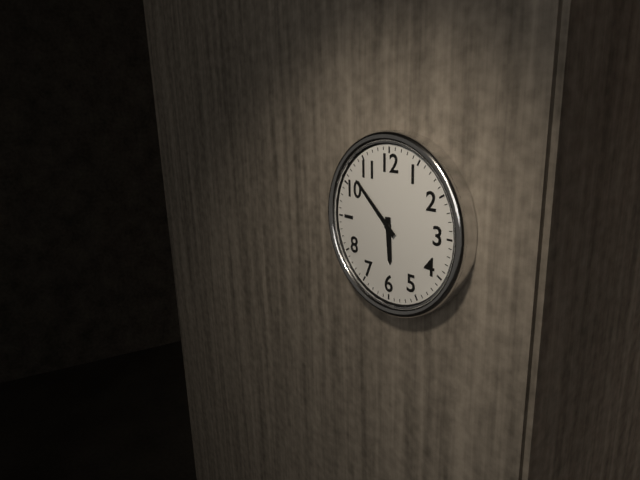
5:52
